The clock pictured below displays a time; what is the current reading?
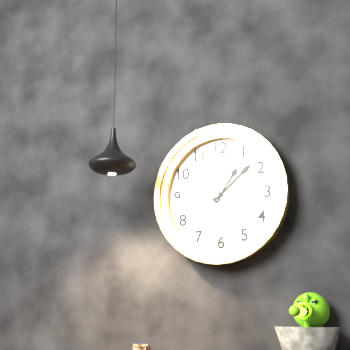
1:08
